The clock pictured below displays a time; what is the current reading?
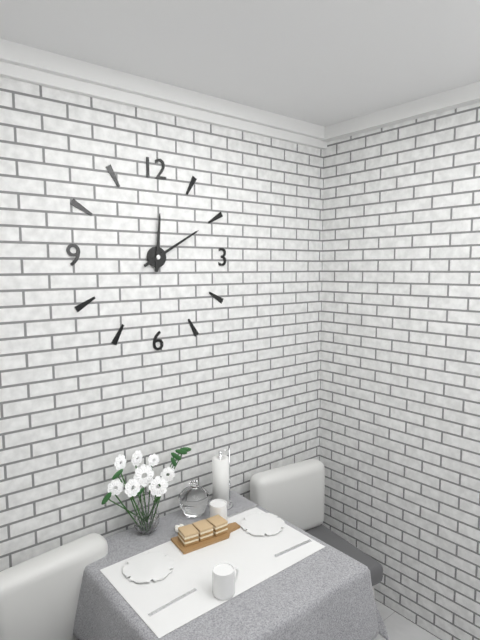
12:10
